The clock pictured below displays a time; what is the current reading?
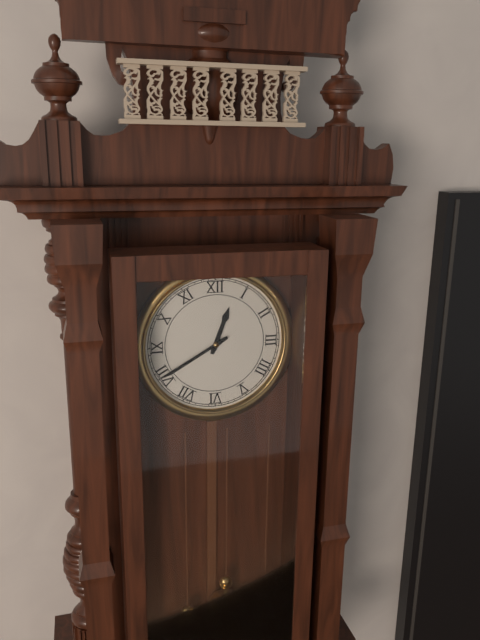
12:40
